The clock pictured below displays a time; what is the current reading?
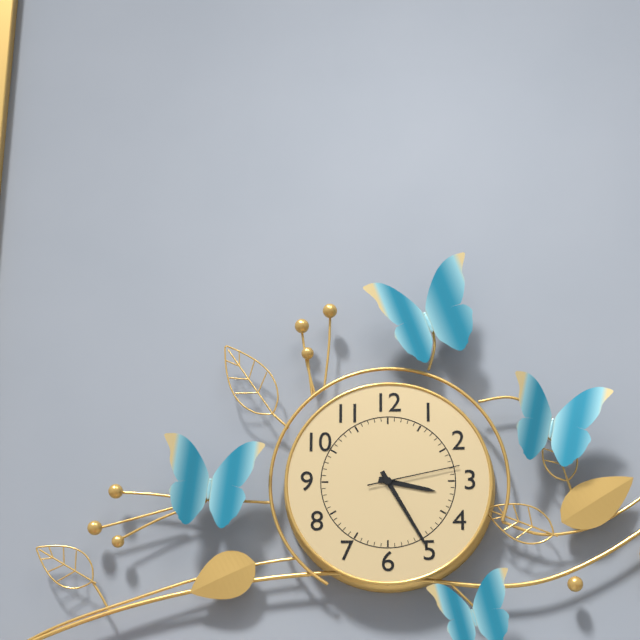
3:25:13
